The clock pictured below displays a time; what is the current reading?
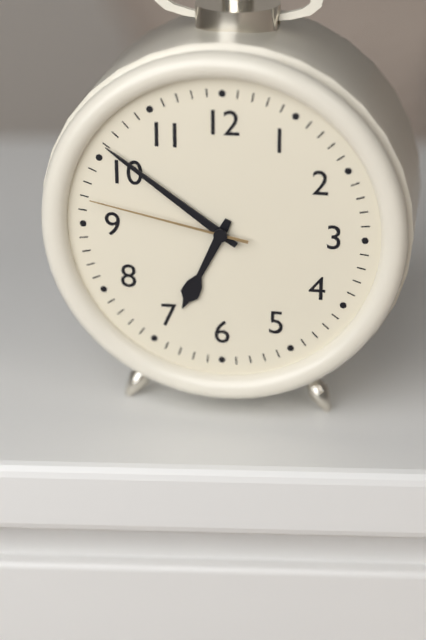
6:51:47
